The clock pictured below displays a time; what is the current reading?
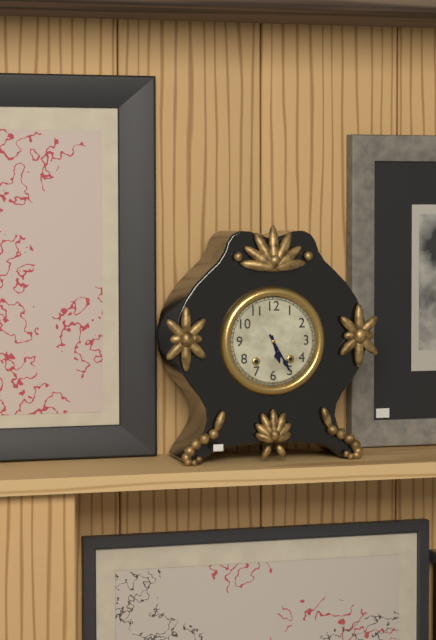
5:25
